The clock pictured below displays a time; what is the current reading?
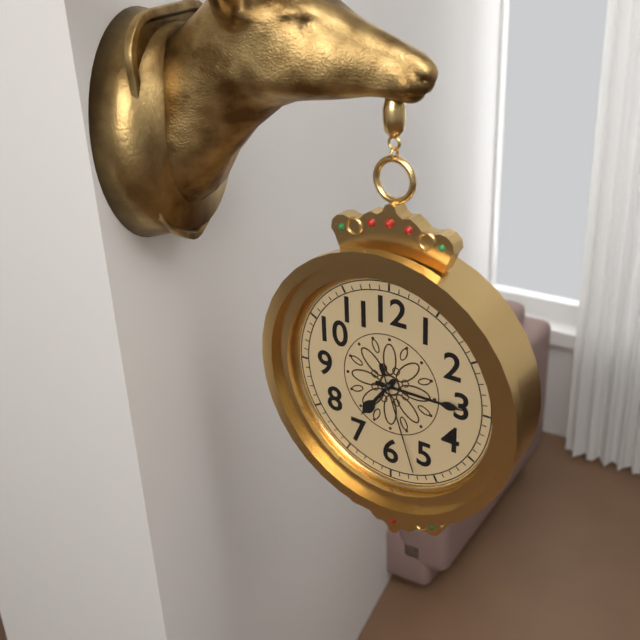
7:15:27
